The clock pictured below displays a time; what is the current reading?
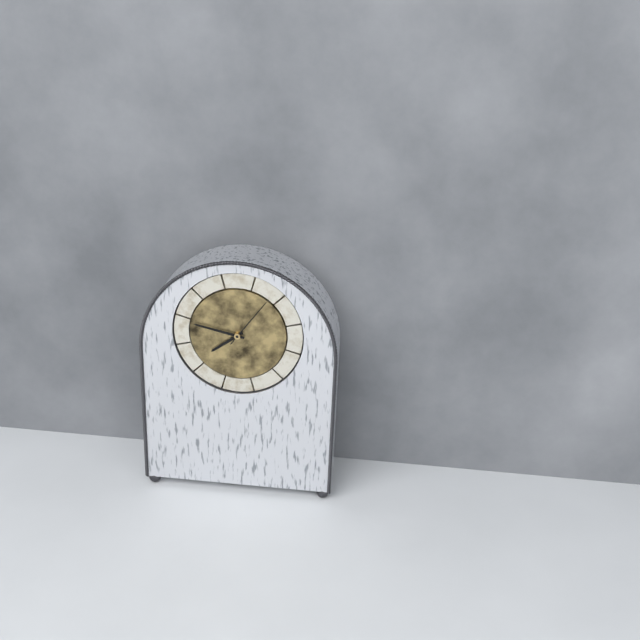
7:47:06
